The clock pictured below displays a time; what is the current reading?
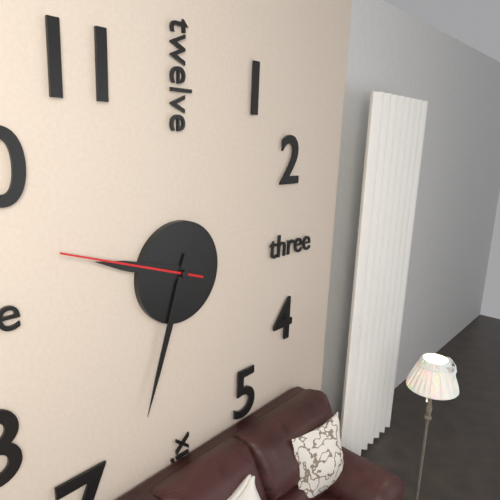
9:33:48
